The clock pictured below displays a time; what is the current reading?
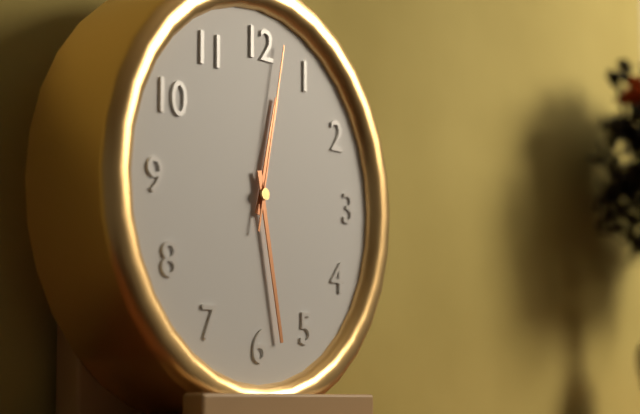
12:28:02
